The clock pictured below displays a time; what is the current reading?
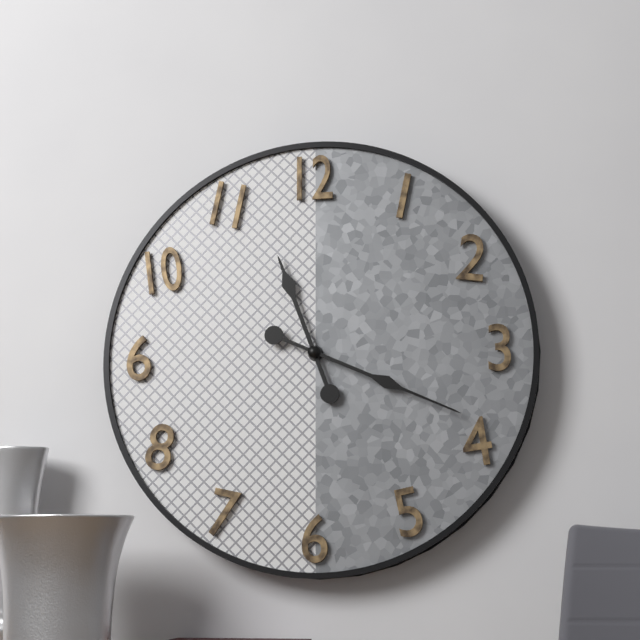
11:19
